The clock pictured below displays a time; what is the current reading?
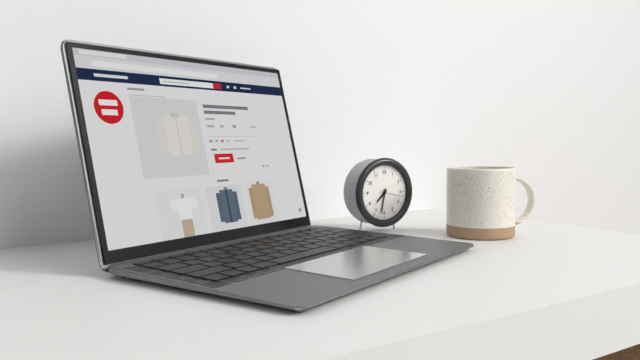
7:32
